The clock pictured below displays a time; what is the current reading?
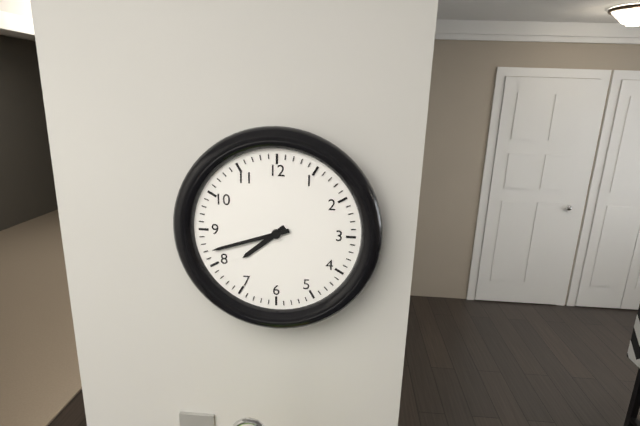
7:42
